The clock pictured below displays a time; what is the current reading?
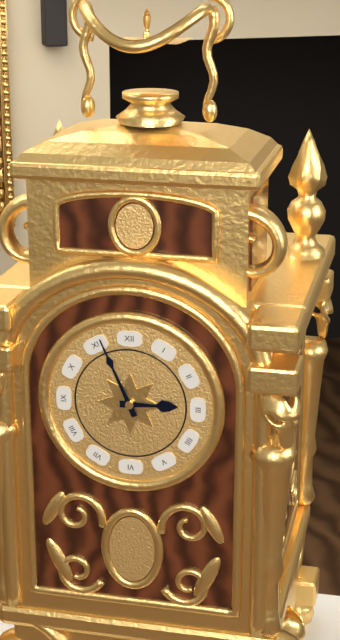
2:56
